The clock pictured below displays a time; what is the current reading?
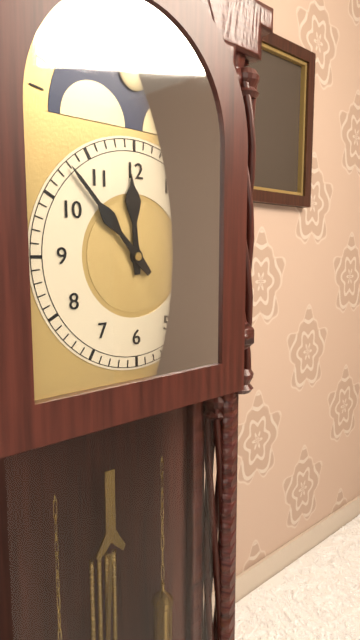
11:53
